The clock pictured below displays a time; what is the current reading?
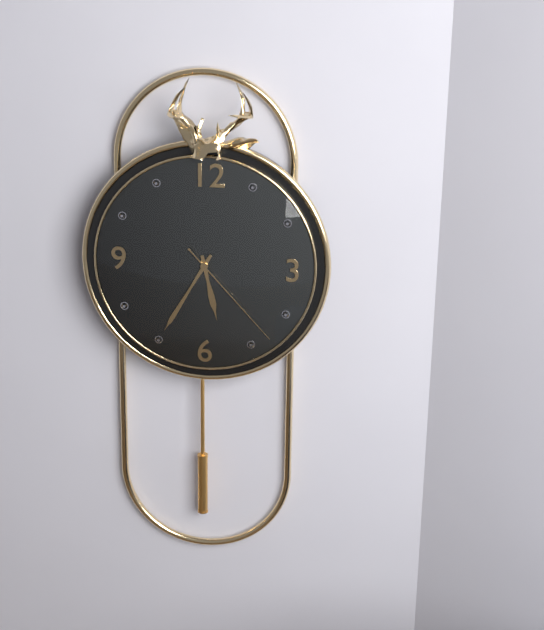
5:35:23
